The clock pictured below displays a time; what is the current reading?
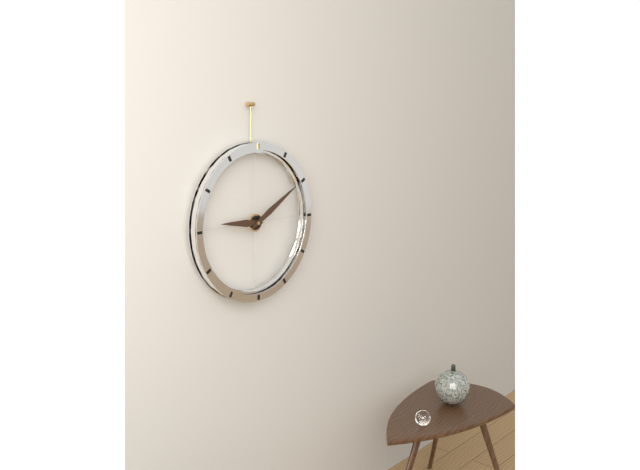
9:10
